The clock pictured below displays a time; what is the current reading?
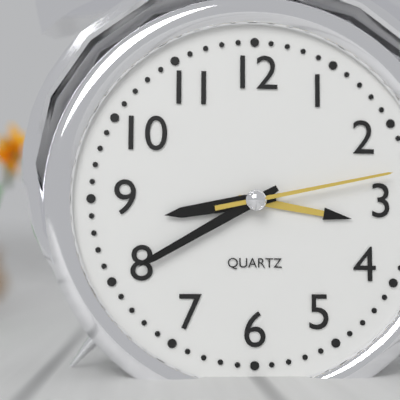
8:40:13
